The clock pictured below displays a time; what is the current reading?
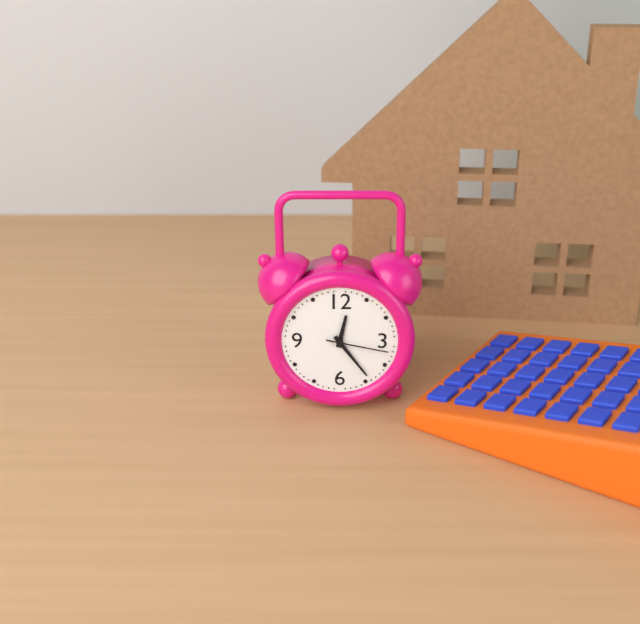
12:24:17
